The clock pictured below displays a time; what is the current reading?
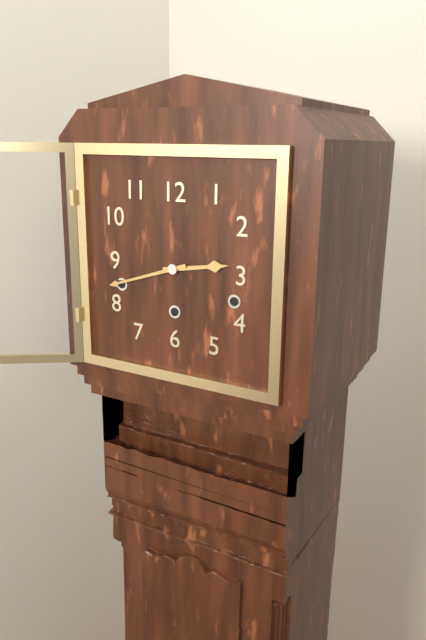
2:42
